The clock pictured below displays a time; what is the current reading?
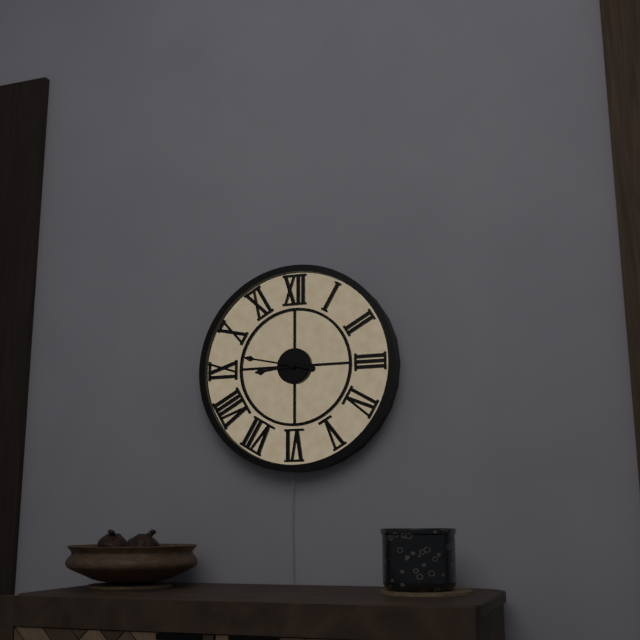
8:47
